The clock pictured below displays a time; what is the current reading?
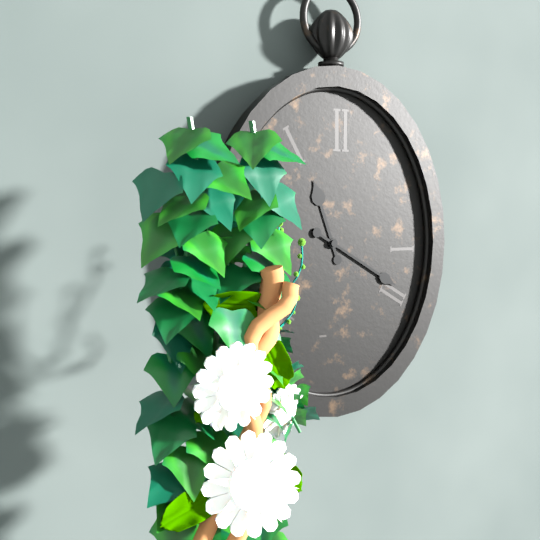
11:20
